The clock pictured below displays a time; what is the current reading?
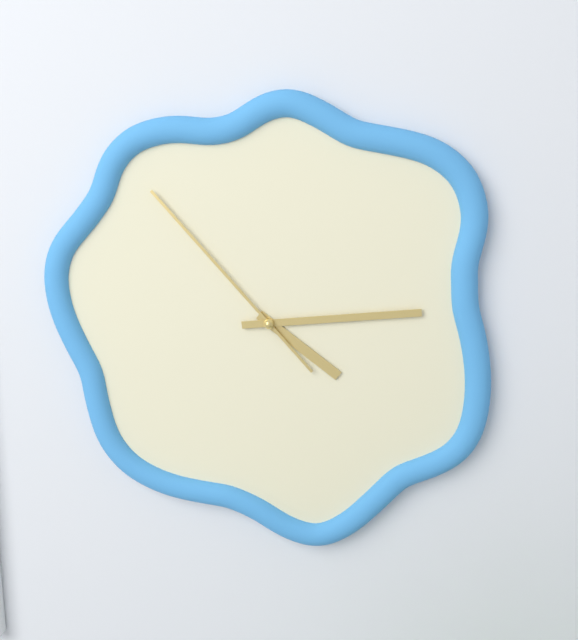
4:14:53
